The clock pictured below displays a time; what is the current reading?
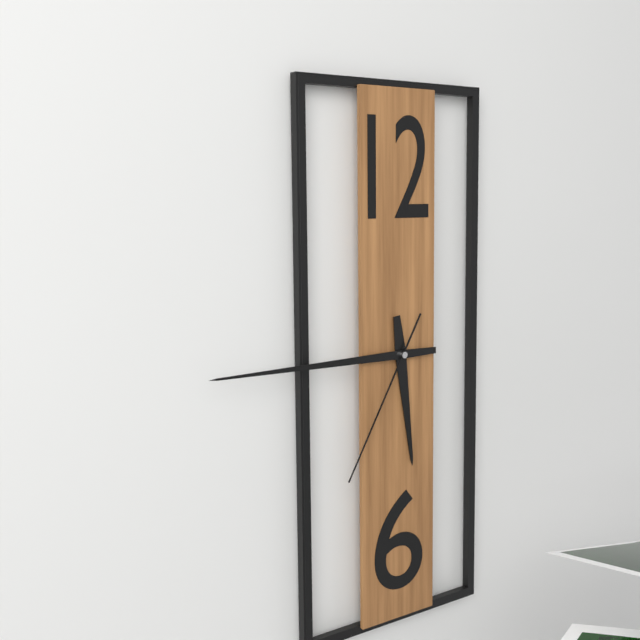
5:45:35
